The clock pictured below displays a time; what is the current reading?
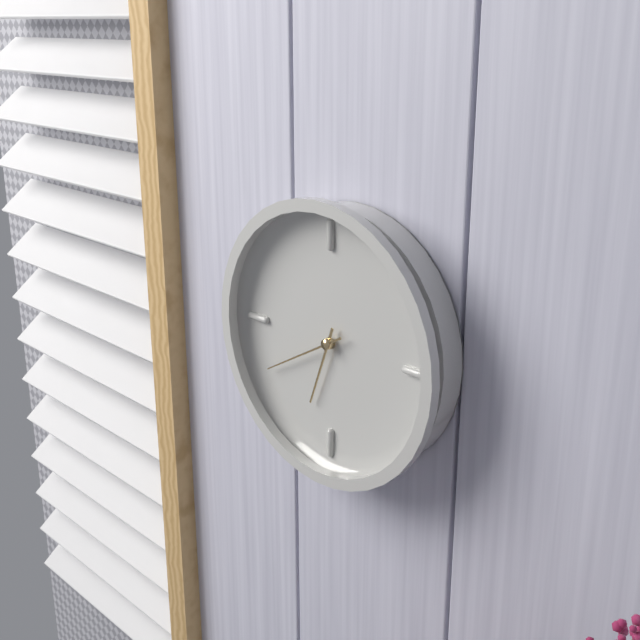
6:40
